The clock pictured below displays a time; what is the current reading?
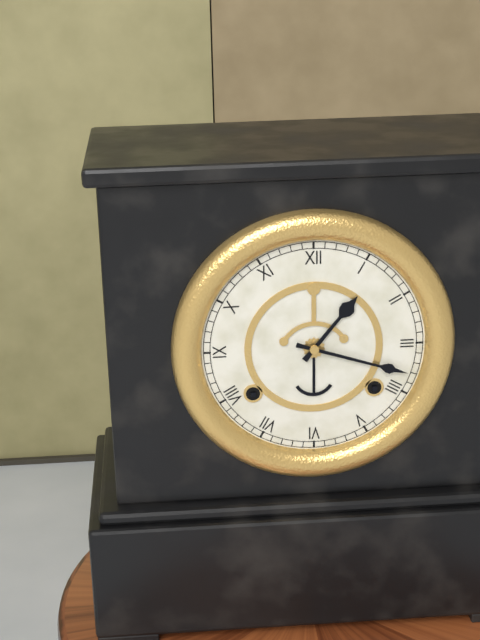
1:18
